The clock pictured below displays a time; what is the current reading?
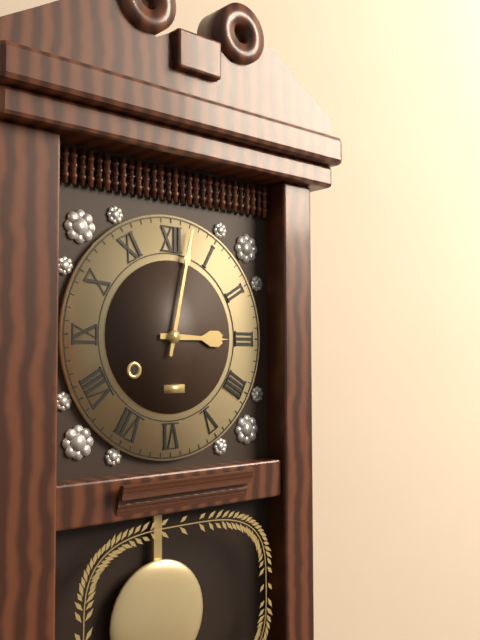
3:02
